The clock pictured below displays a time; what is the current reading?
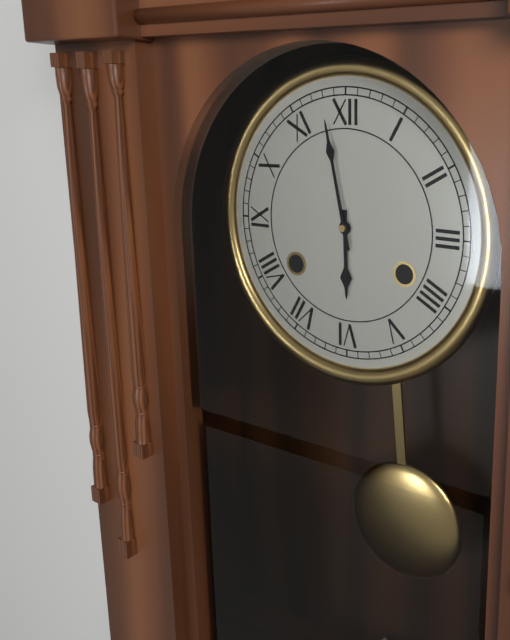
5:58
